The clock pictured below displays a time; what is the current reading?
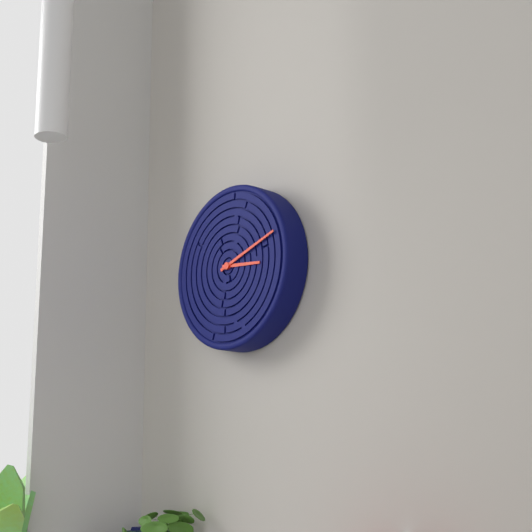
3:12
